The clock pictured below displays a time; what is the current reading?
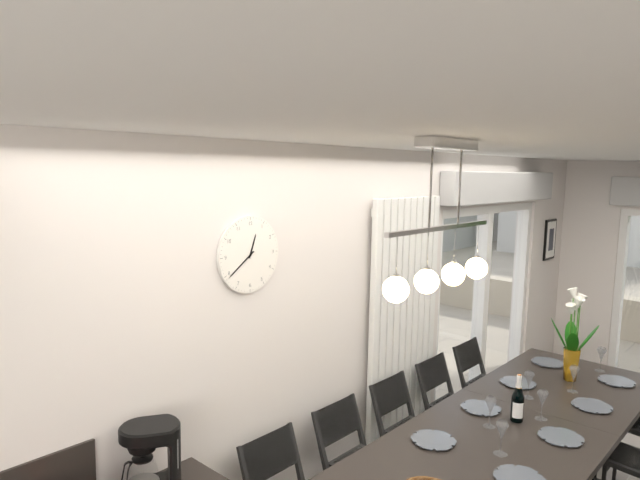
12:39
